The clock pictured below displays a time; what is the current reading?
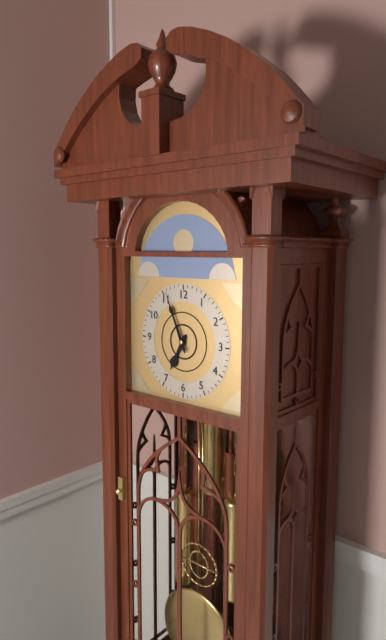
6:56
